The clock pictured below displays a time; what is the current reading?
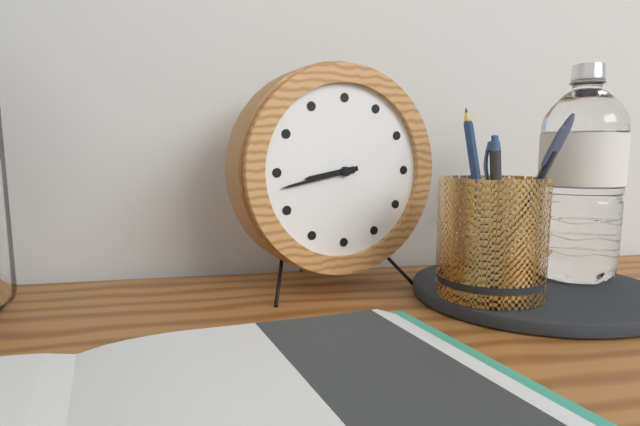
8:43
